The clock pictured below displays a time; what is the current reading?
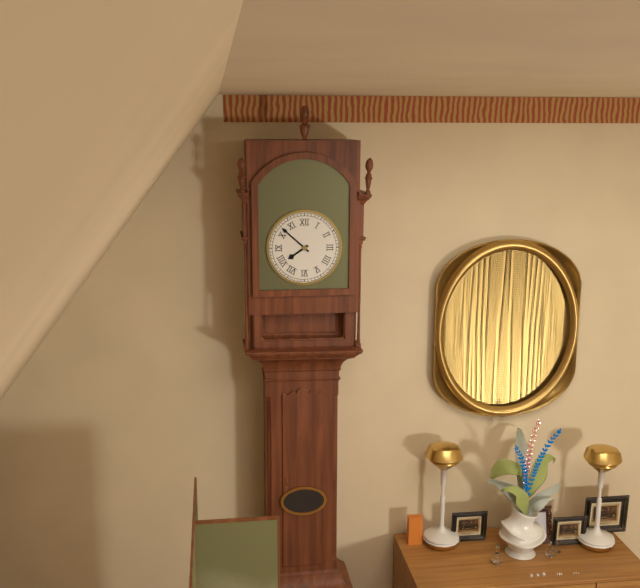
7:52
